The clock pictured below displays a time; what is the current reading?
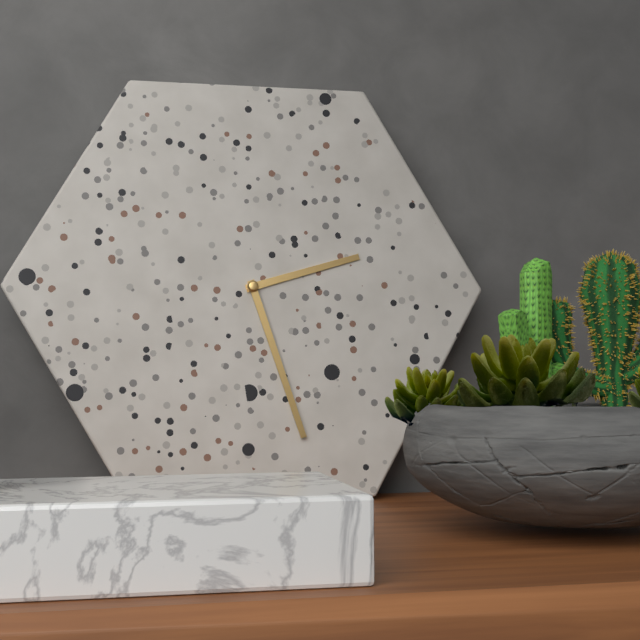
2:27
